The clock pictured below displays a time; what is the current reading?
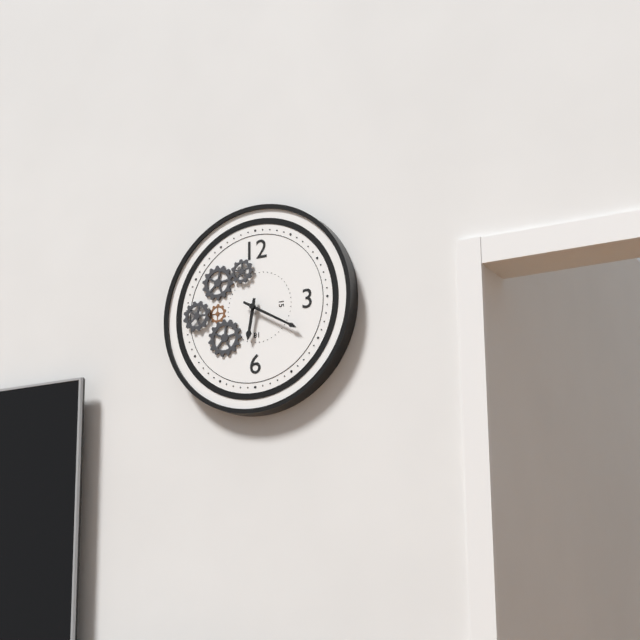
6:20
